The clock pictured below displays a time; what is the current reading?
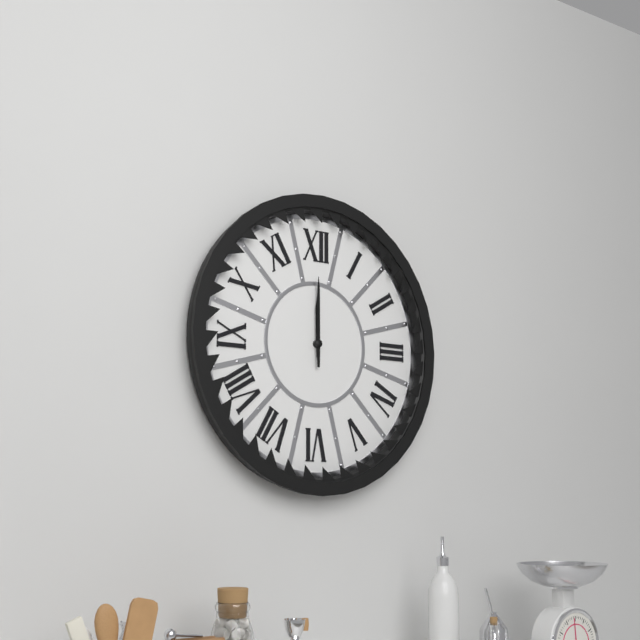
12:00
